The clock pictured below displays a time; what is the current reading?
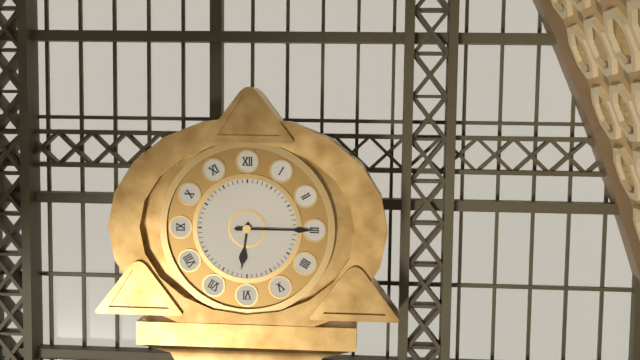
6:15
